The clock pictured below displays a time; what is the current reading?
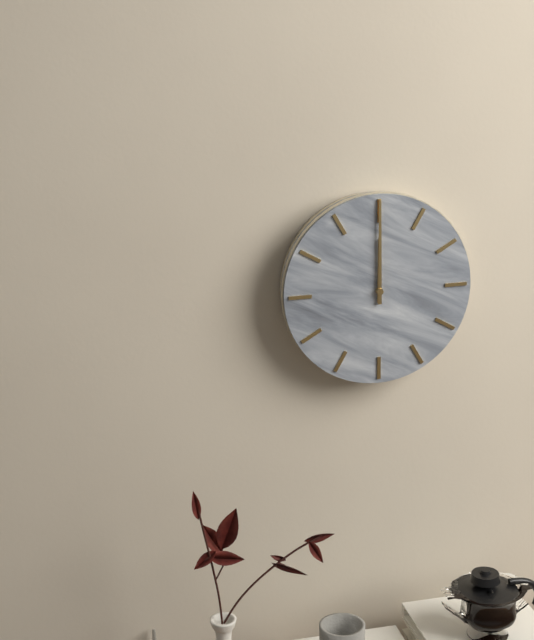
12:00
